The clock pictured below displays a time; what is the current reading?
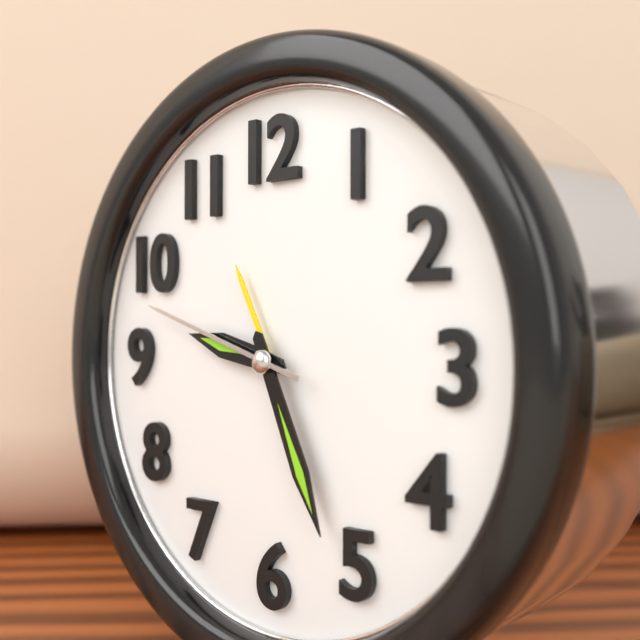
9:26:48
